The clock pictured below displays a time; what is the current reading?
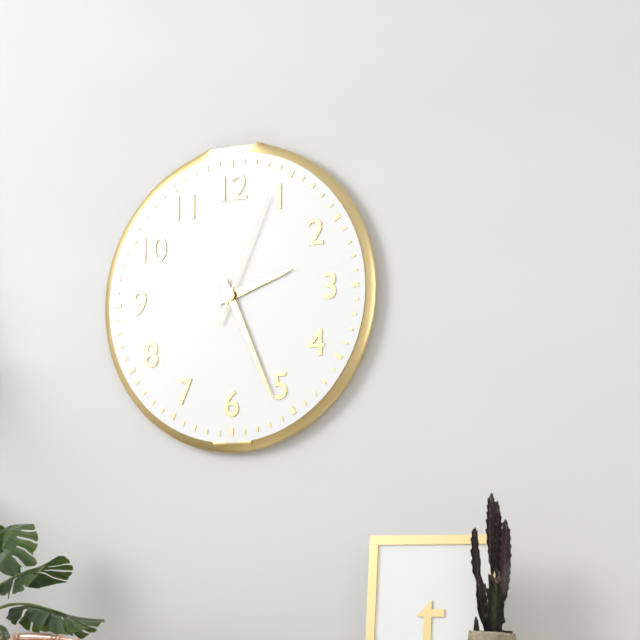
2:26:04
